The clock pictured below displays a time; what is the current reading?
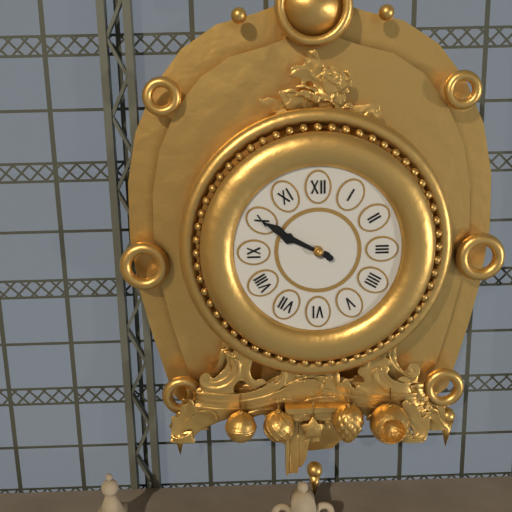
9:50
